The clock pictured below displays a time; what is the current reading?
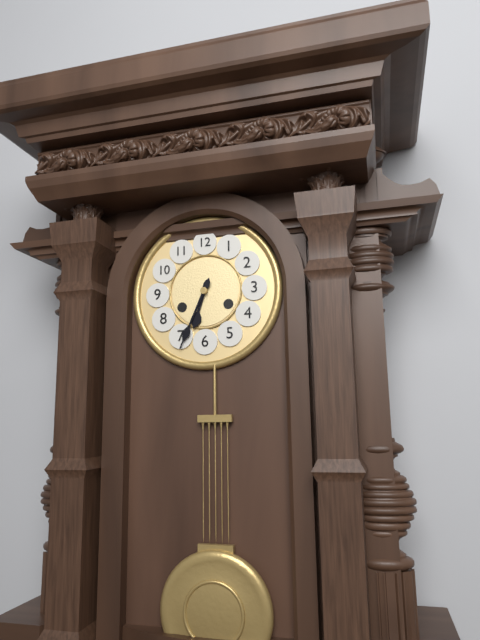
6:34
